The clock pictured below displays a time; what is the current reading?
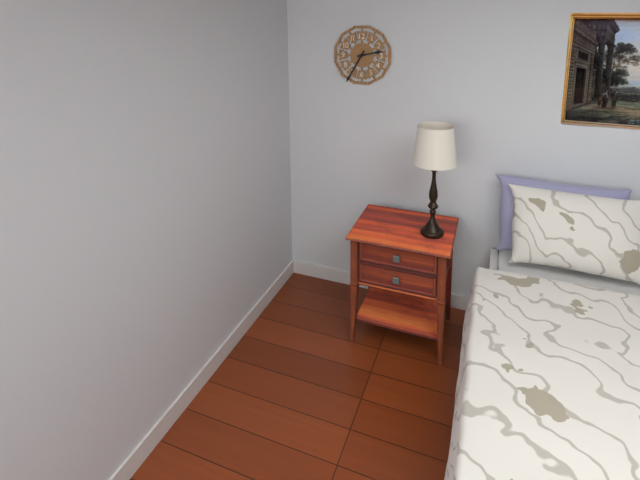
2:35
